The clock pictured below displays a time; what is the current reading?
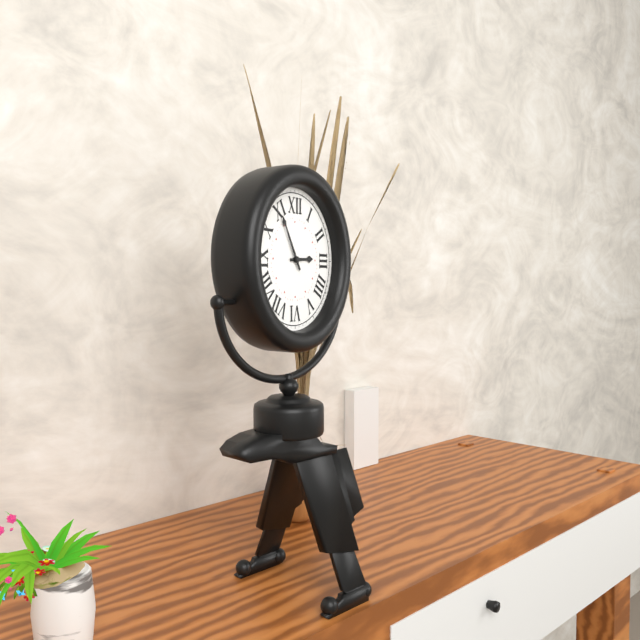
2:55
